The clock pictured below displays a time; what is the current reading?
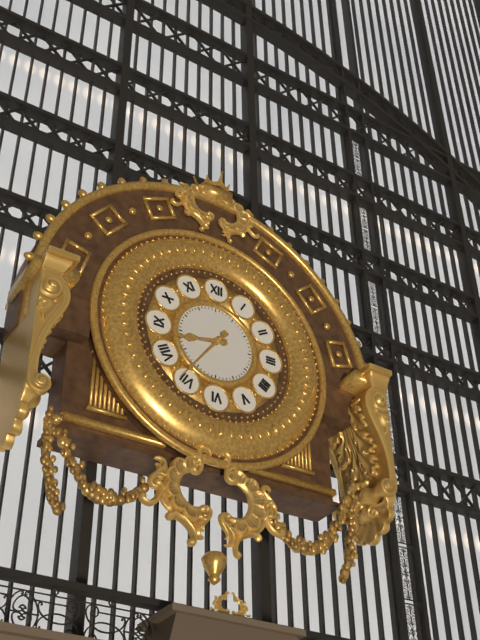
8:36
